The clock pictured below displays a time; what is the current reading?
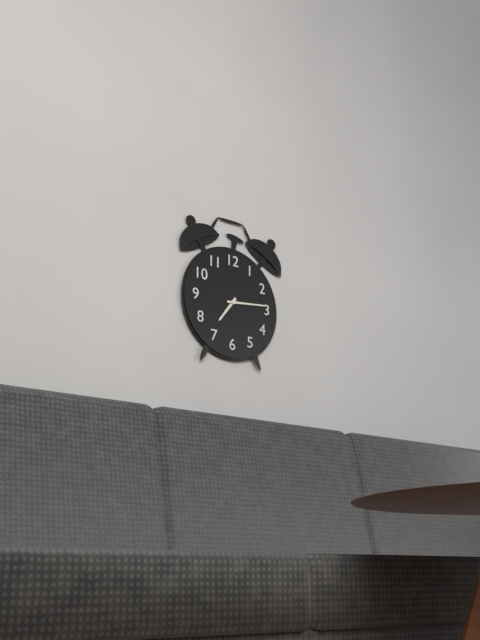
7:14
